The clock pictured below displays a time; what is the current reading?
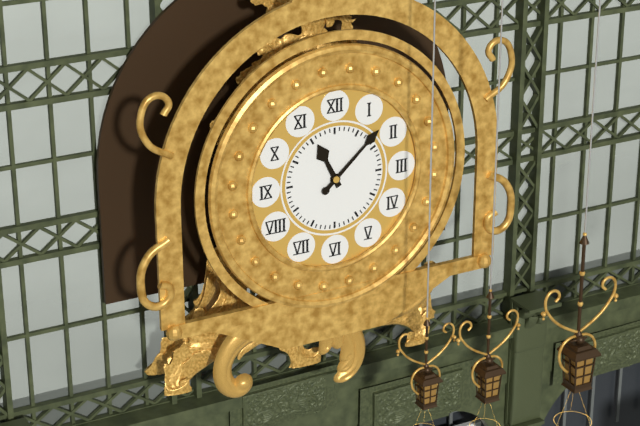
11:08
